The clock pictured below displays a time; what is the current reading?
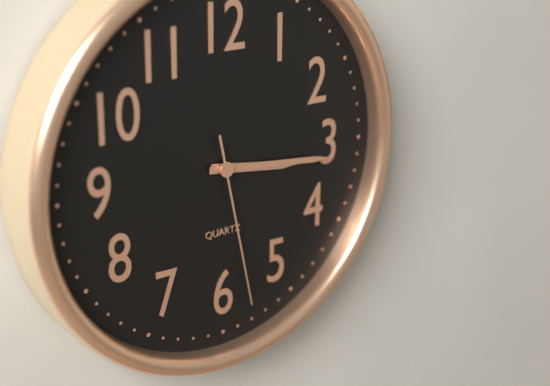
3:16:28
